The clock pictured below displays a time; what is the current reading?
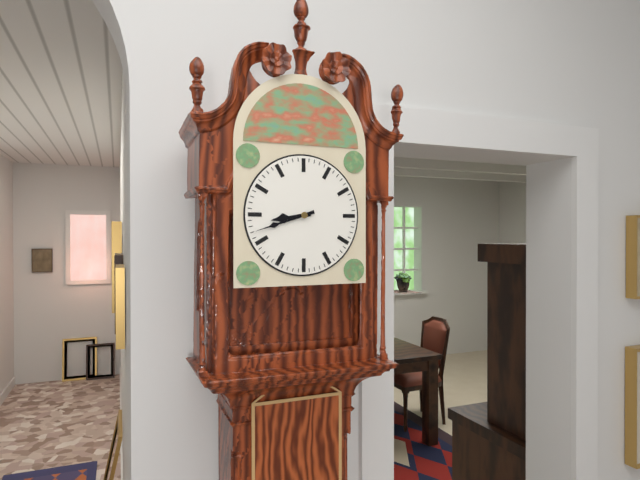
8:42
